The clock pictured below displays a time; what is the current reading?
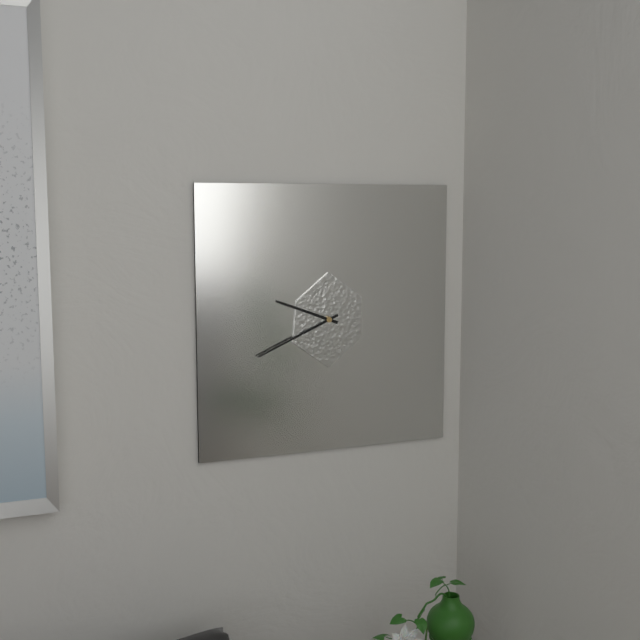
9:41
